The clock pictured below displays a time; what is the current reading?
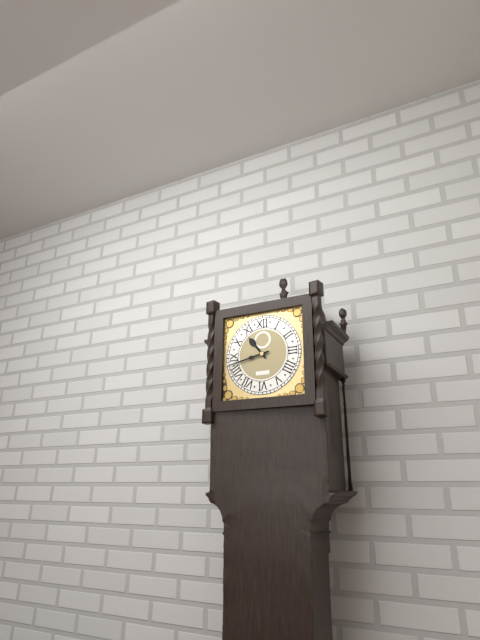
10:43
